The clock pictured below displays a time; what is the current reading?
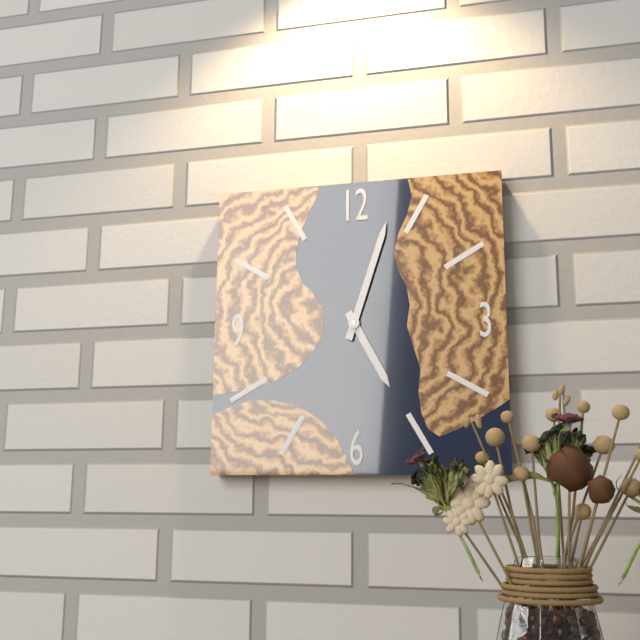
5:03
